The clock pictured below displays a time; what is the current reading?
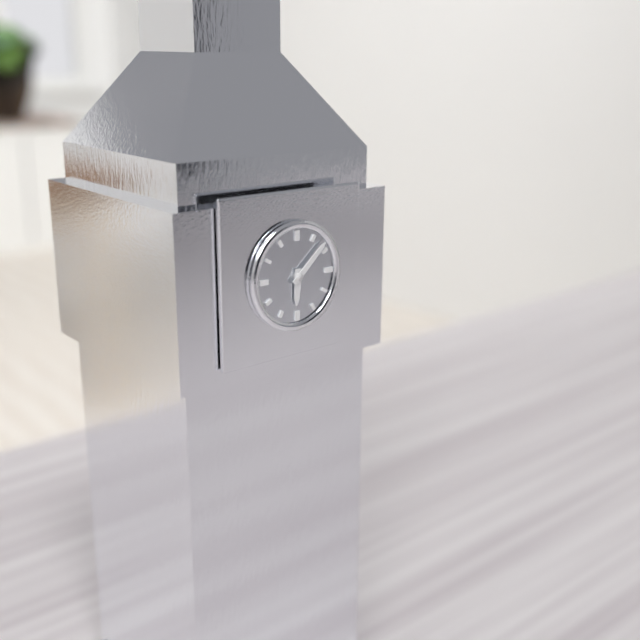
6:08
